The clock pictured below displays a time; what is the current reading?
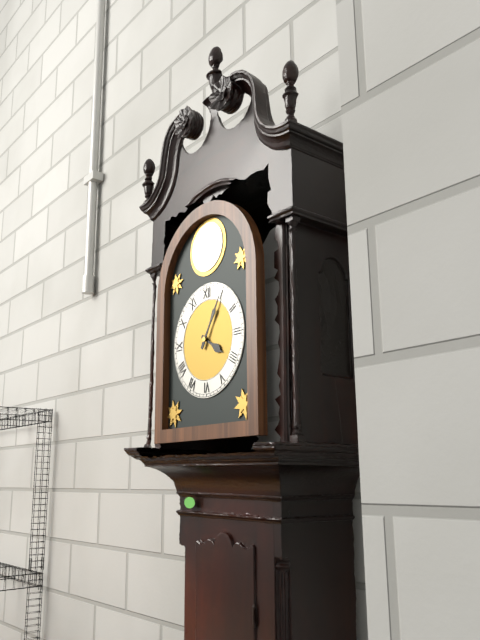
4:05
